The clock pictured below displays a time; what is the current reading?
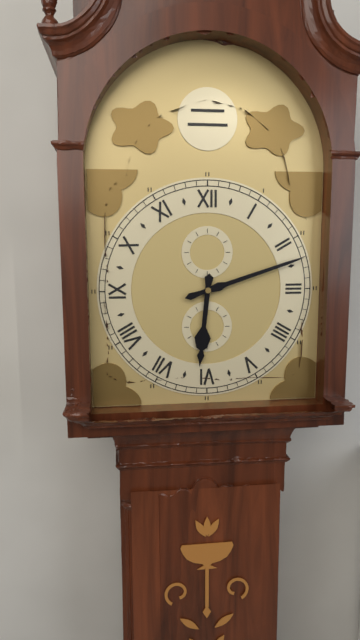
6:12
